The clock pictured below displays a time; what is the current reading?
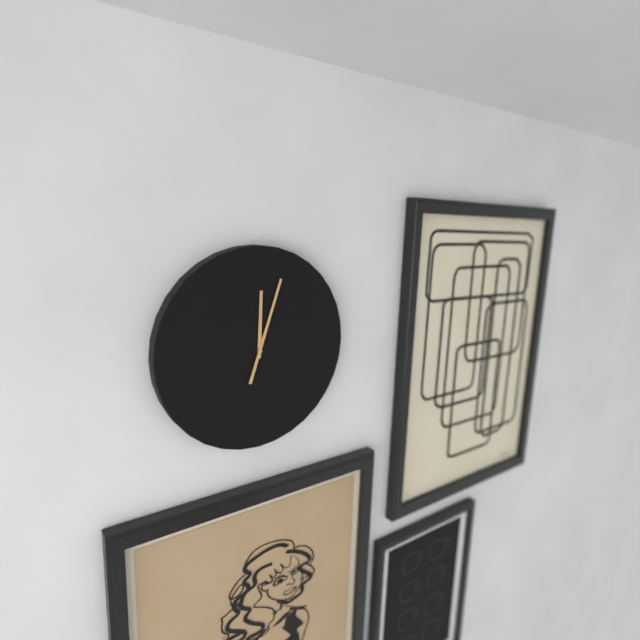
12:03
